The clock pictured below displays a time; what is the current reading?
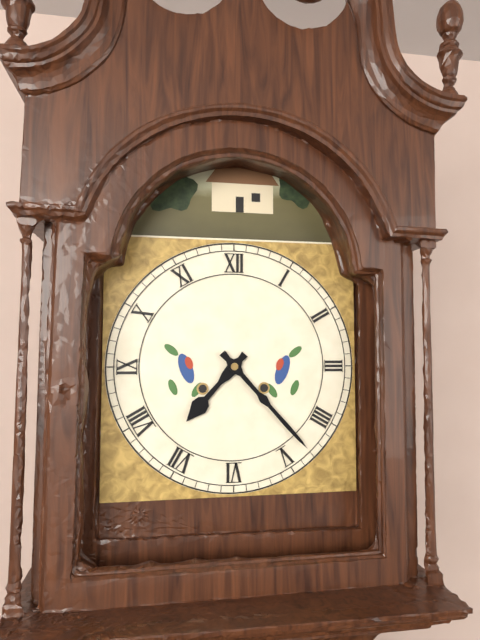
7:23
